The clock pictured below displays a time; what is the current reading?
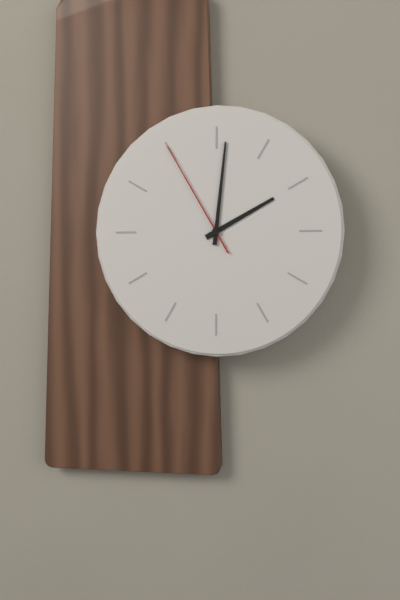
2:01:55
